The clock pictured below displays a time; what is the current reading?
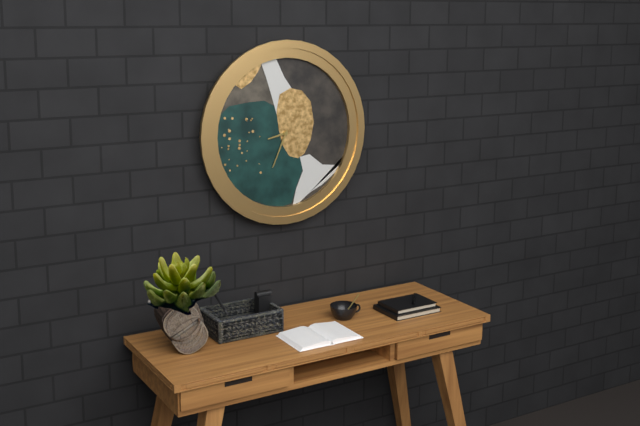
8:34
